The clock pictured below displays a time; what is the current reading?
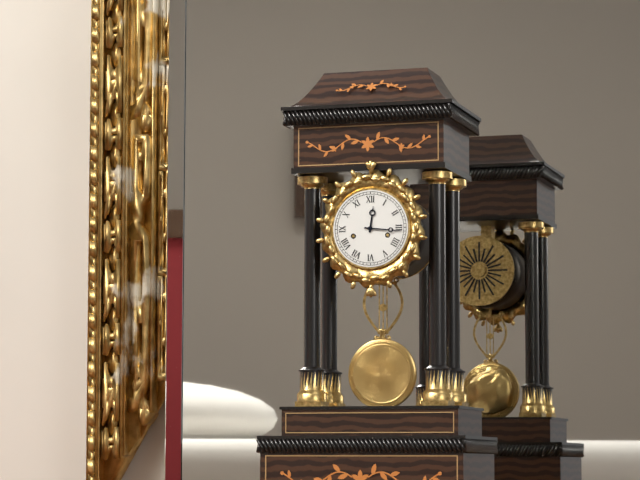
12:16
